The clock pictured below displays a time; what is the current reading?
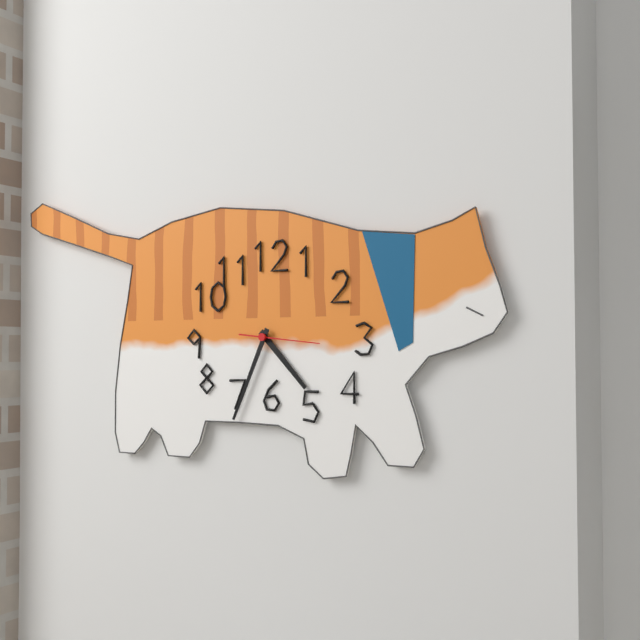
4:34:16
